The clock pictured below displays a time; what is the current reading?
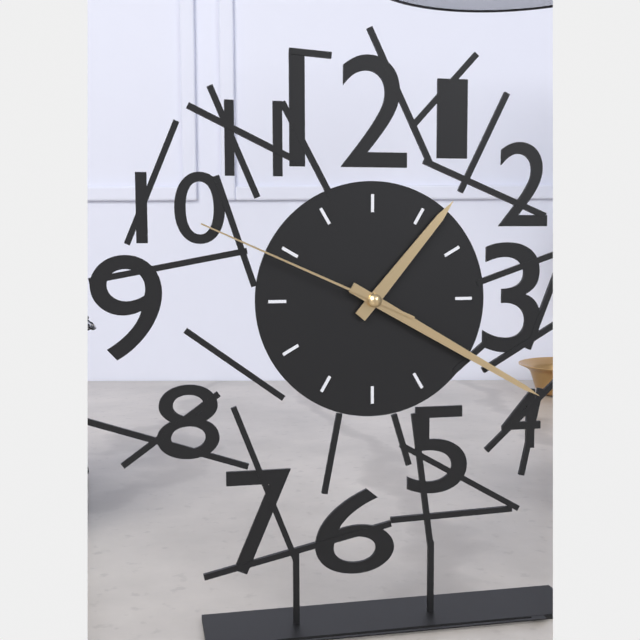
1:20:49
